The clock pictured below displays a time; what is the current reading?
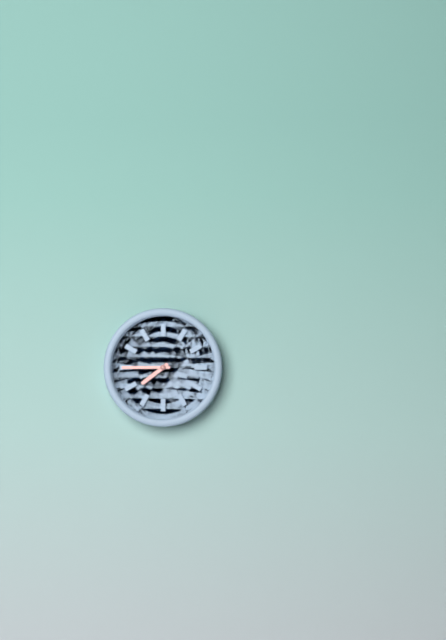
7:45
